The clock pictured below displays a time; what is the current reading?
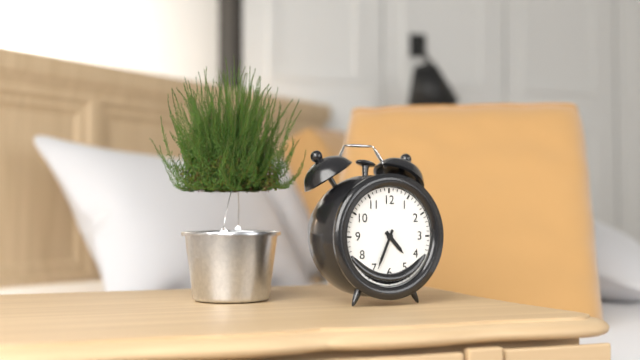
4:34
